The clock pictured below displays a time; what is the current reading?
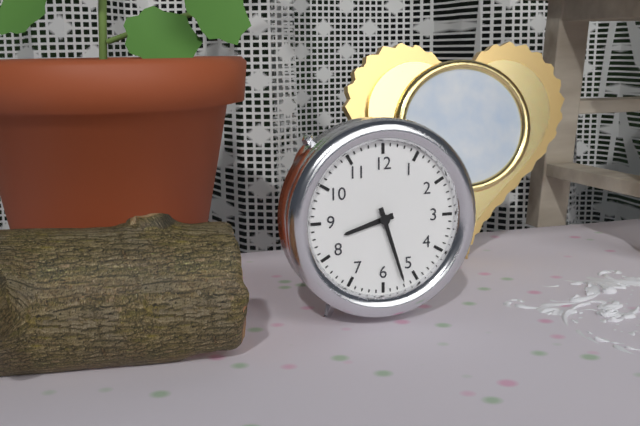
8:27
